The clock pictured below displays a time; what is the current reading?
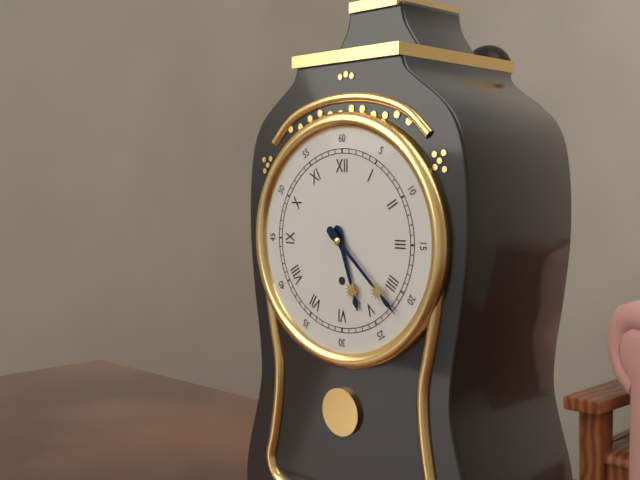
5:22
